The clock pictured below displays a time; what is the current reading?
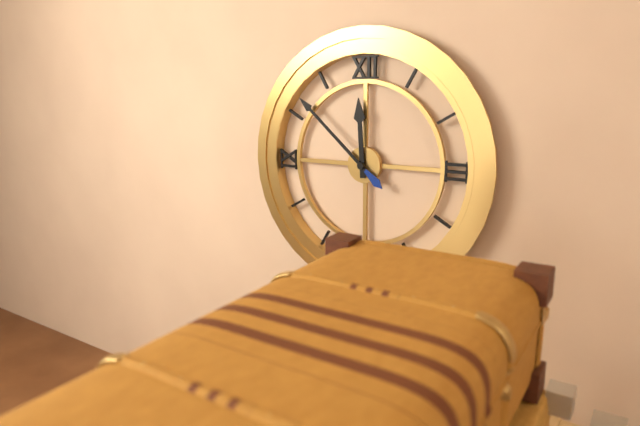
11:52
